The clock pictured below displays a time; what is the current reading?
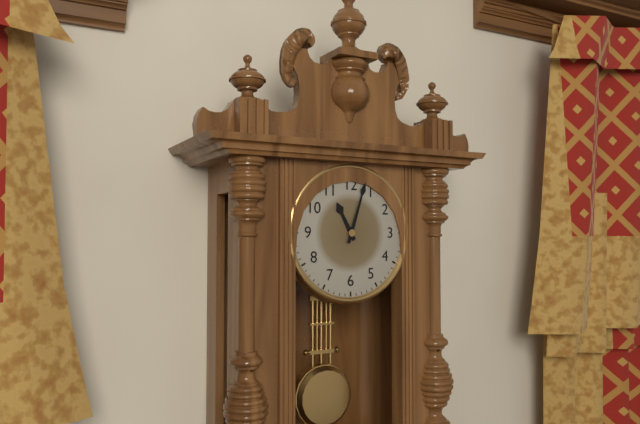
11:03
